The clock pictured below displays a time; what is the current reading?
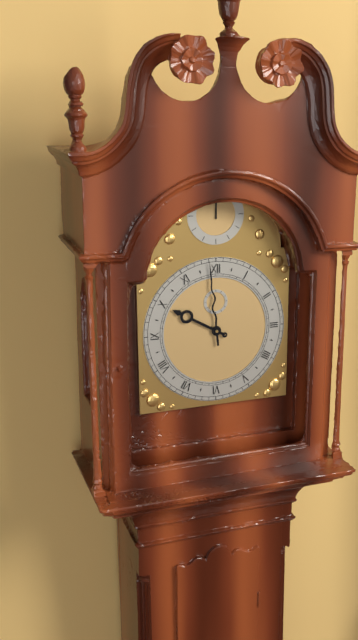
9:59
